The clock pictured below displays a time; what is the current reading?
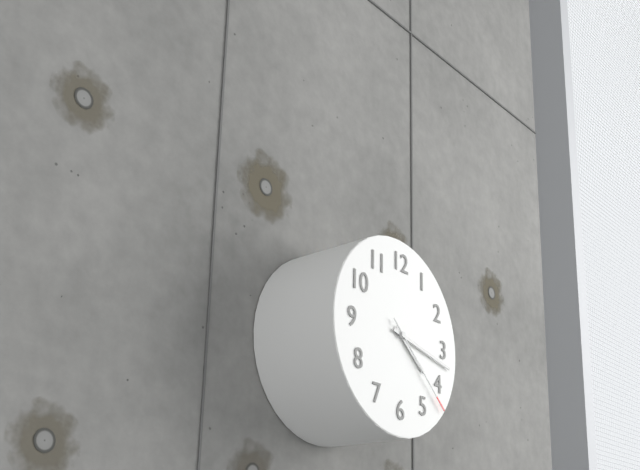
4:17:22
